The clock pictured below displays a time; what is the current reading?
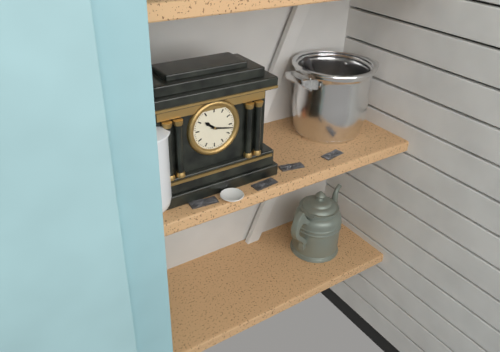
10:17
